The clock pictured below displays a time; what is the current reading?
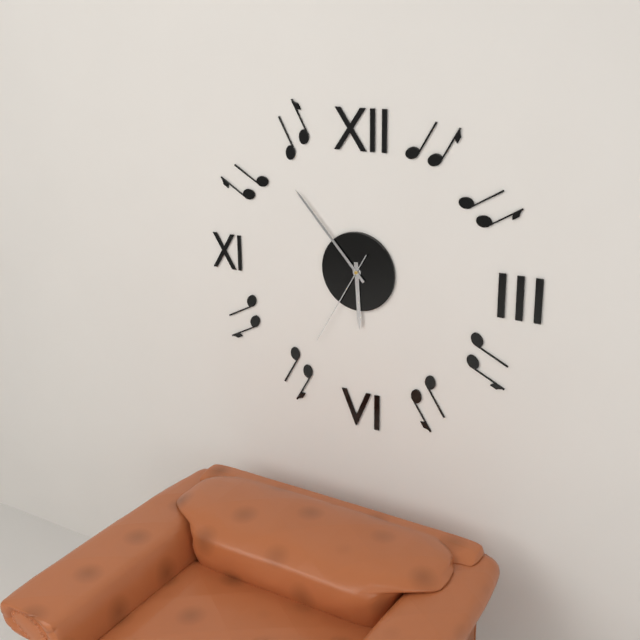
5:53:35
